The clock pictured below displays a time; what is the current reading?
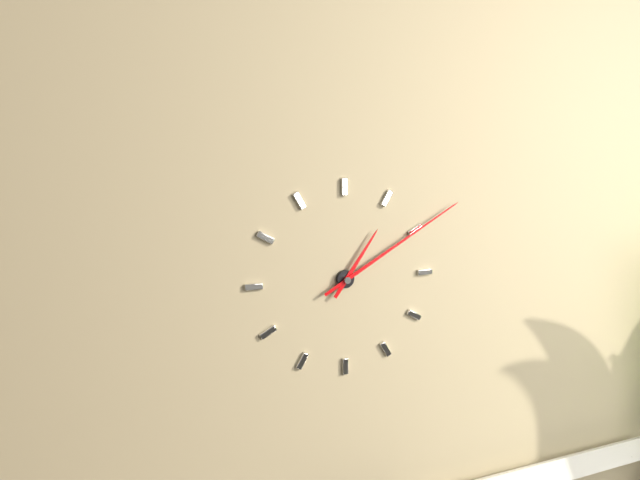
1:10
